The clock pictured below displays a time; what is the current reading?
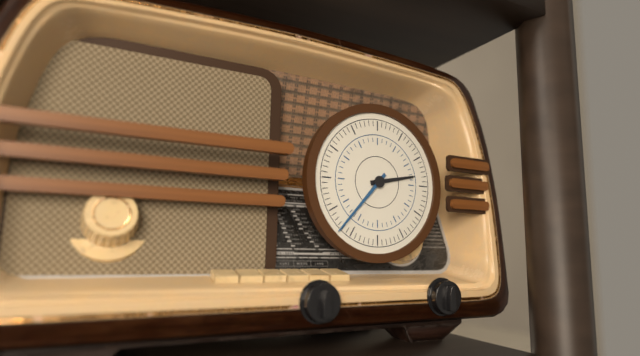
2:37
